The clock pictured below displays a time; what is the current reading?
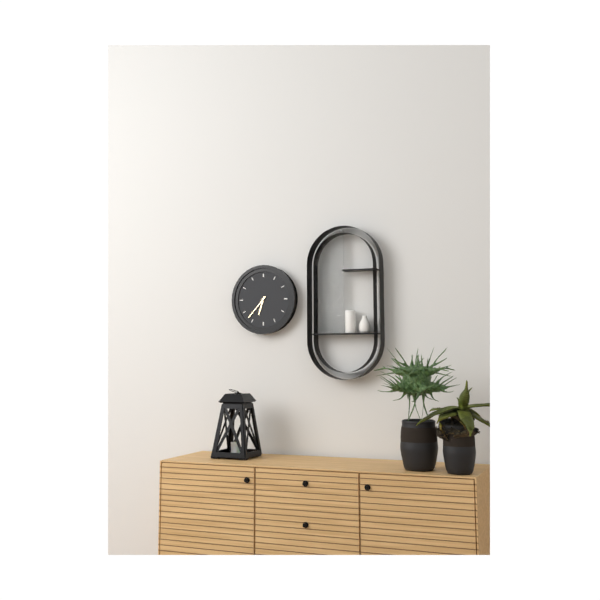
6:37
